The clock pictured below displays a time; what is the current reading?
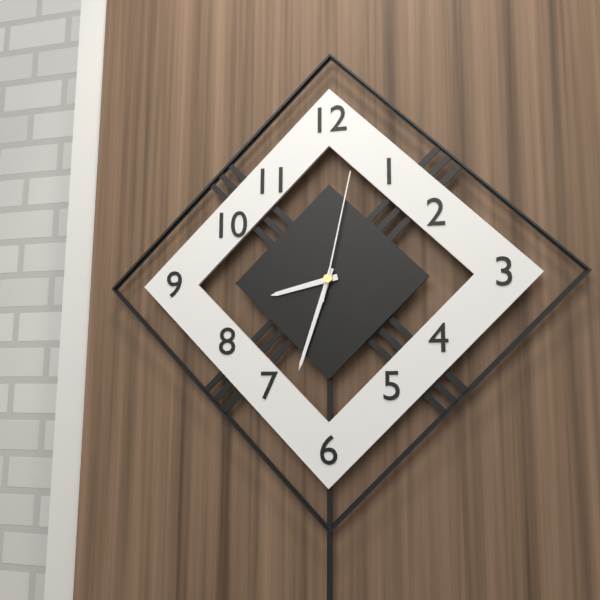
8:33:02
